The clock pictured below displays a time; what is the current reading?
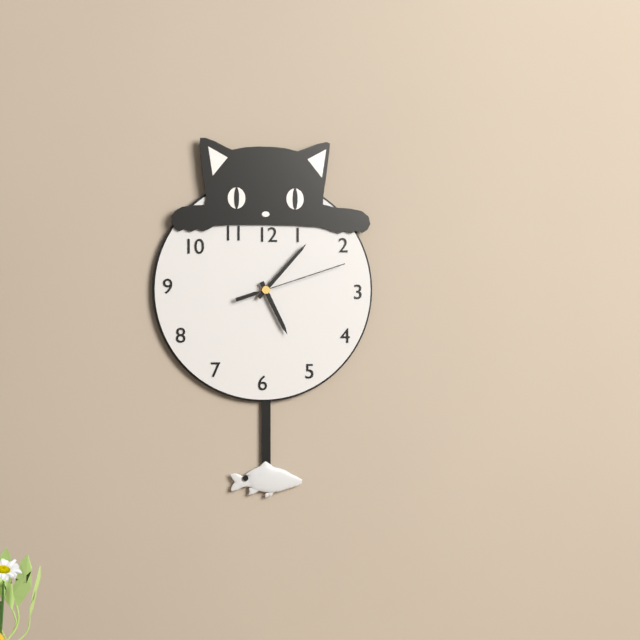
5:07:12
